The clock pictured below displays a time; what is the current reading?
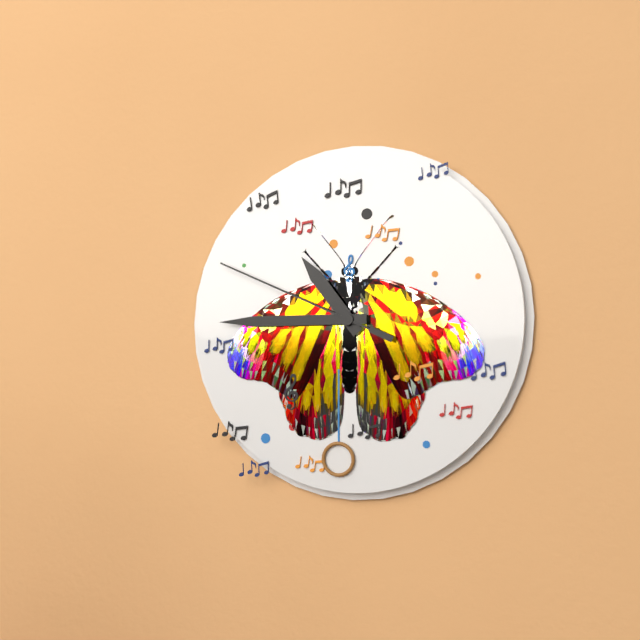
10:45:49
